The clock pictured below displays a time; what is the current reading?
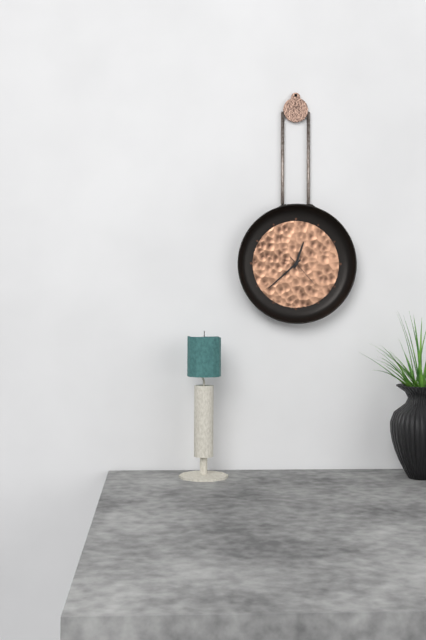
12:38
